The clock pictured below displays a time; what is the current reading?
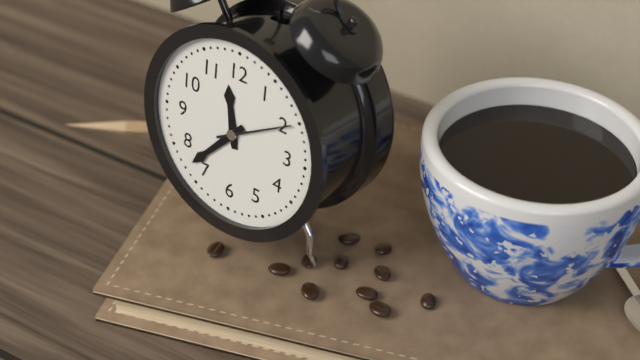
11:37:10
